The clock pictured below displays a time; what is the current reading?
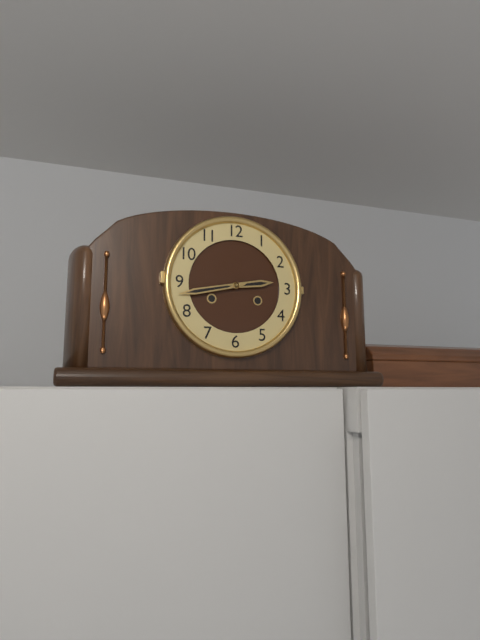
2:43
